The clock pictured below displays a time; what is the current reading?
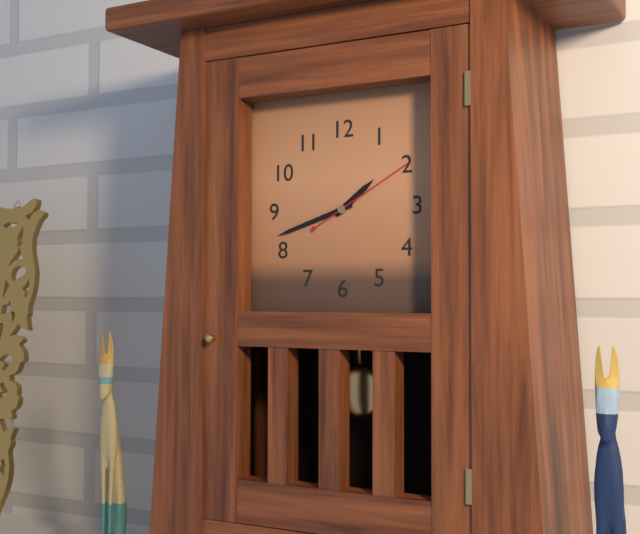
1:42:10
